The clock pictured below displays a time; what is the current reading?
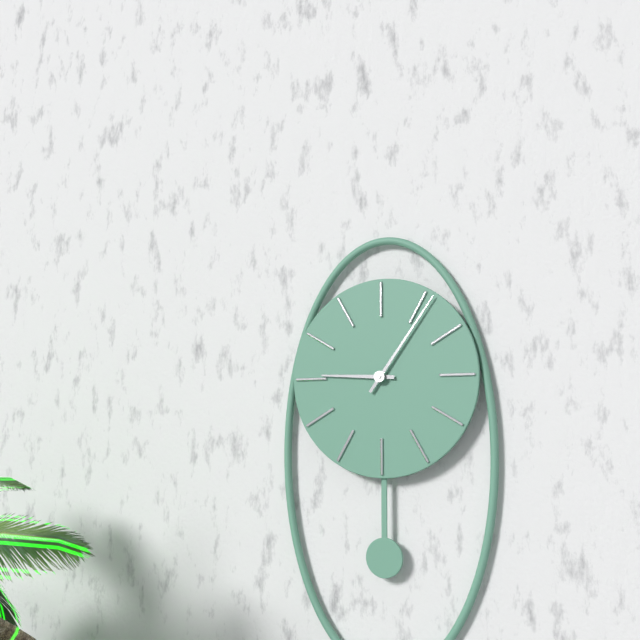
9:06
